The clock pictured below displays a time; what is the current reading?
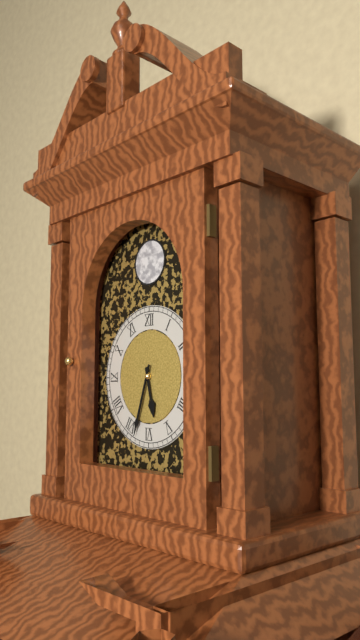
5:33
